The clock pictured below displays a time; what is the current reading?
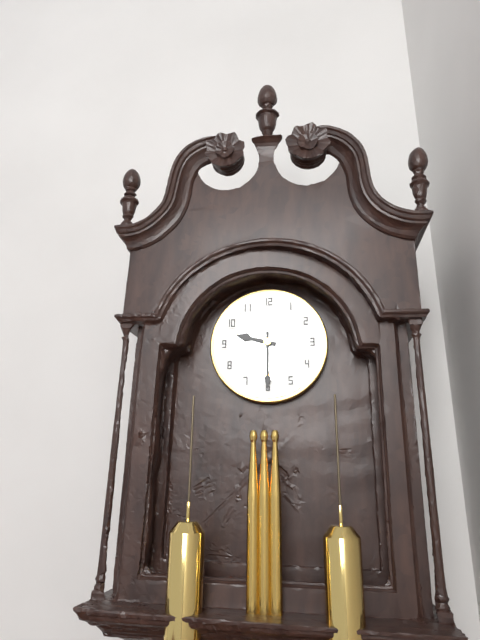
9:30
